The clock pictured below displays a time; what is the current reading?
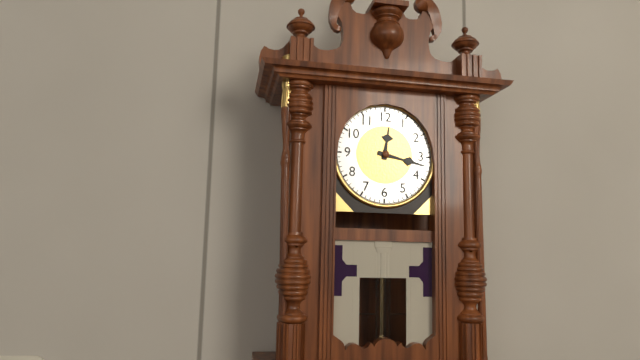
12:17
